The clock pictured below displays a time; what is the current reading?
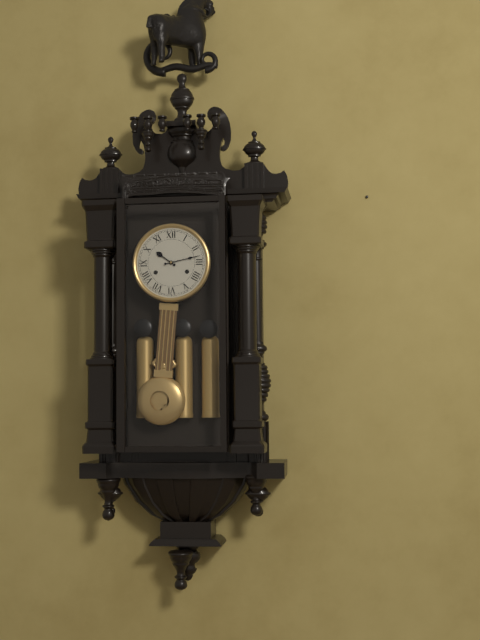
10:13
